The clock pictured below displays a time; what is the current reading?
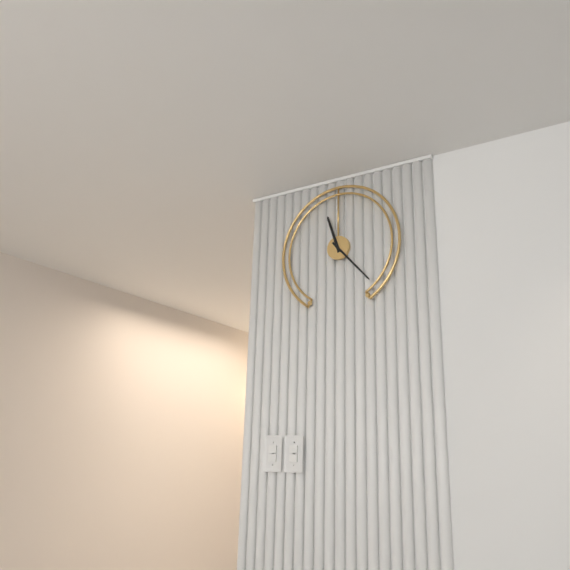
11:23
